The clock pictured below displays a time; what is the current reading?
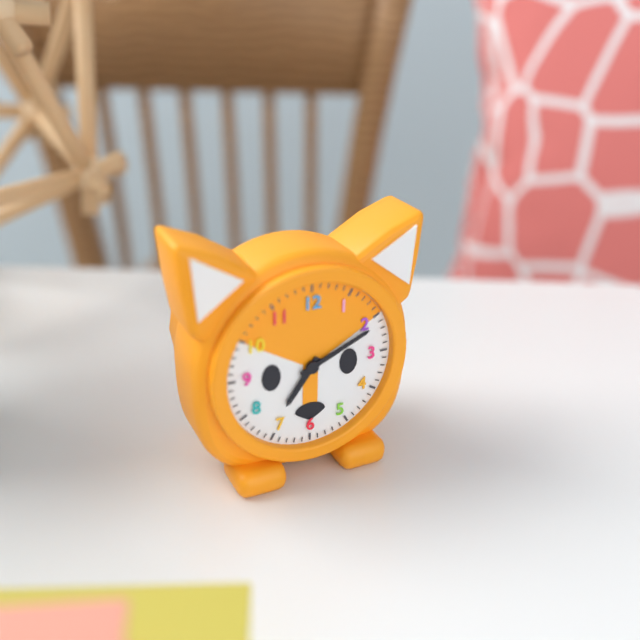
7:11
